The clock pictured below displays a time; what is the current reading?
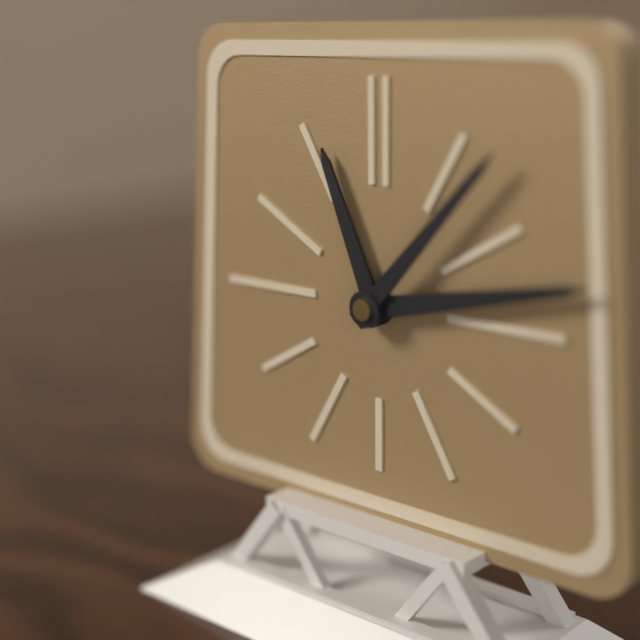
11:13:07
